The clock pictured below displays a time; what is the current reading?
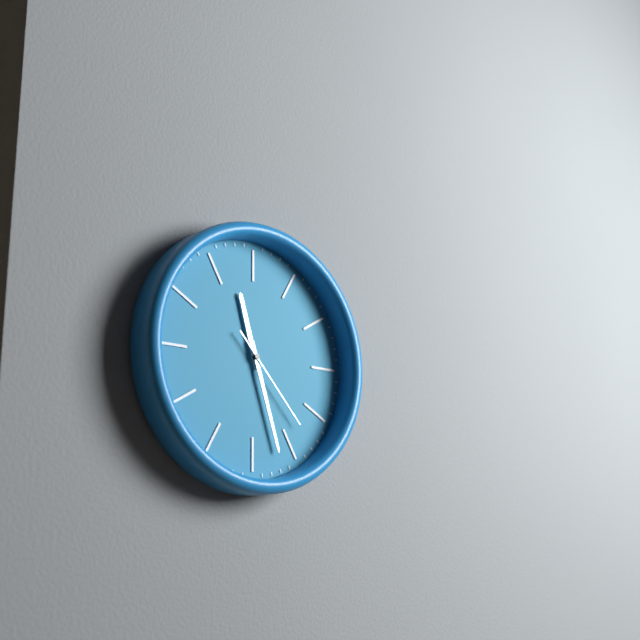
11:27:23
